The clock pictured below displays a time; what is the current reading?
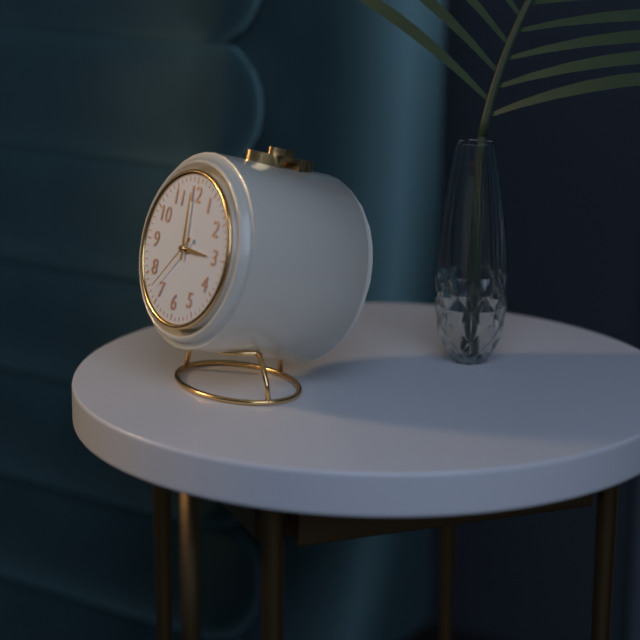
2:59:37
